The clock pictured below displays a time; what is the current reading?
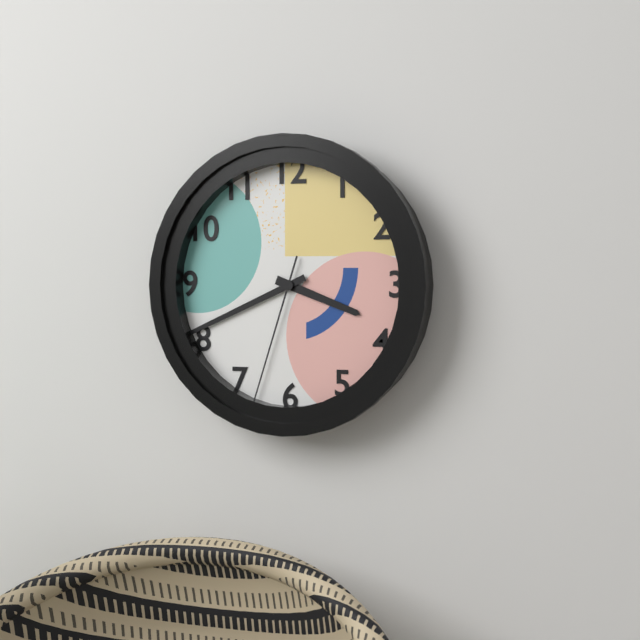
3:41:33
